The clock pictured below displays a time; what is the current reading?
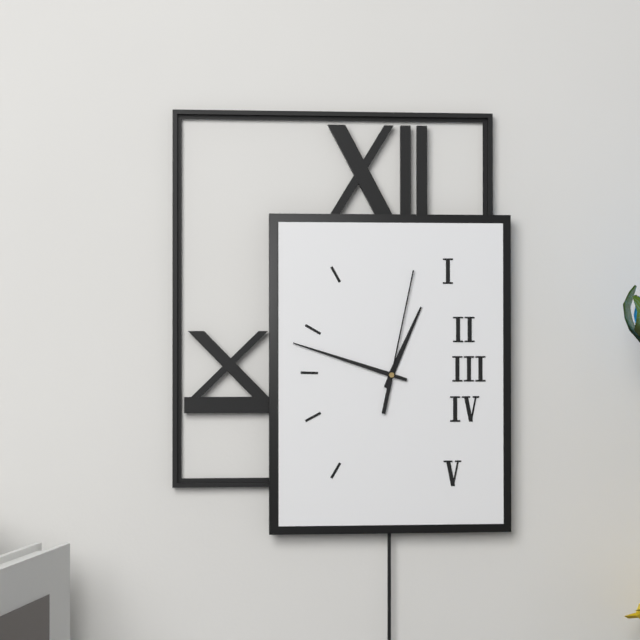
12:48:02
